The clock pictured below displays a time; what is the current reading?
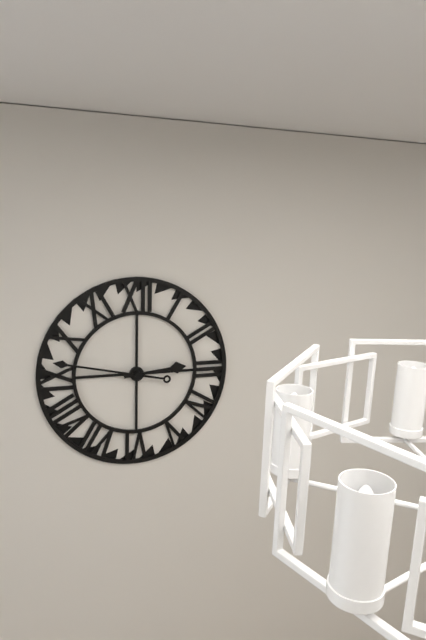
2:47
